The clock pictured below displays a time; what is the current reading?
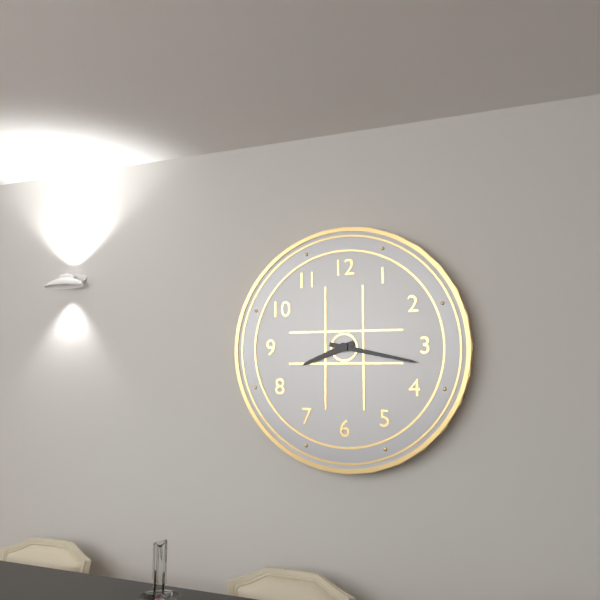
8:17
